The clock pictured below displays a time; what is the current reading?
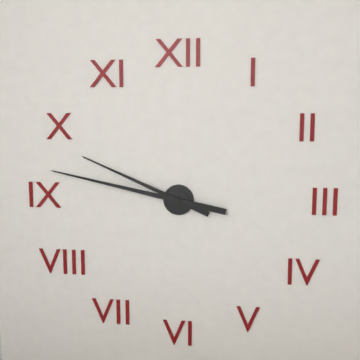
9:47
